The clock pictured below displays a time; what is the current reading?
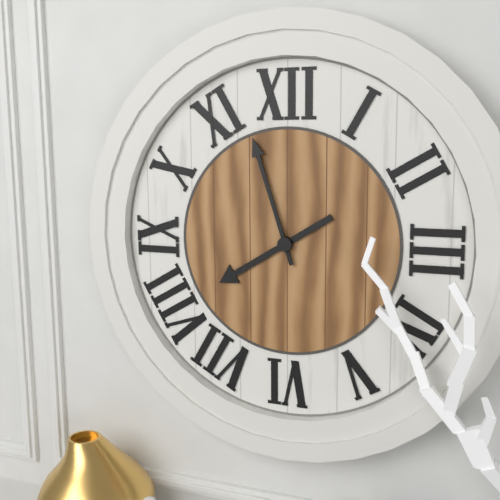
7:57
